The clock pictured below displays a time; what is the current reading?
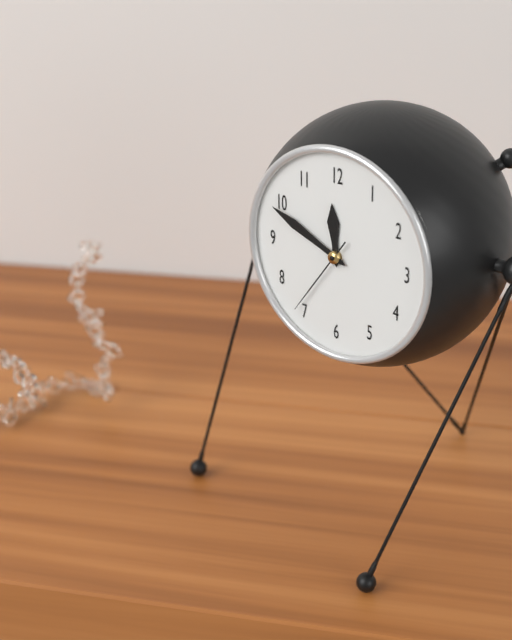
11:49:36
